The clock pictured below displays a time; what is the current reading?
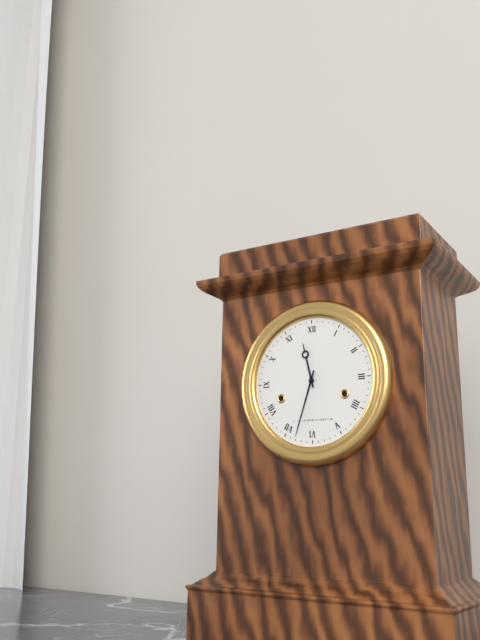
11:33
